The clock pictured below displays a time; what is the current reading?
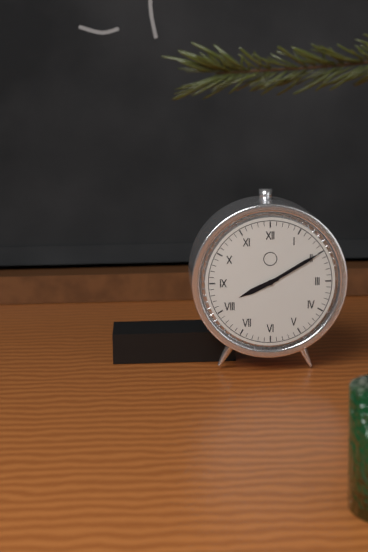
8:10
